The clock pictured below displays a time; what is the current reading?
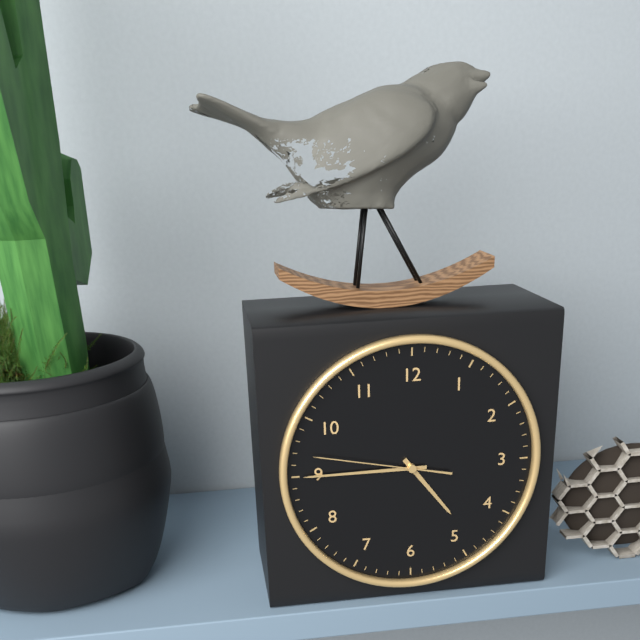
4:45:47
